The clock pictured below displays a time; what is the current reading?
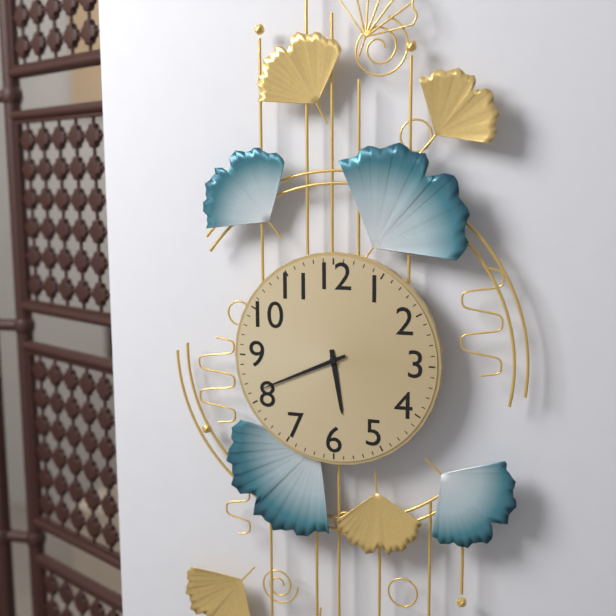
5:41
